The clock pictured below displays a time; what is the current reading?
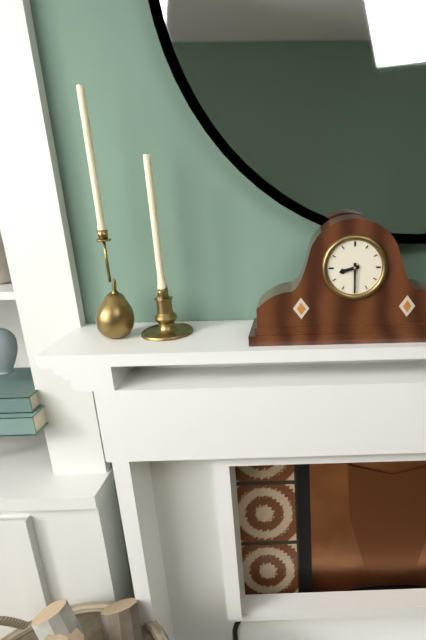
8:30
